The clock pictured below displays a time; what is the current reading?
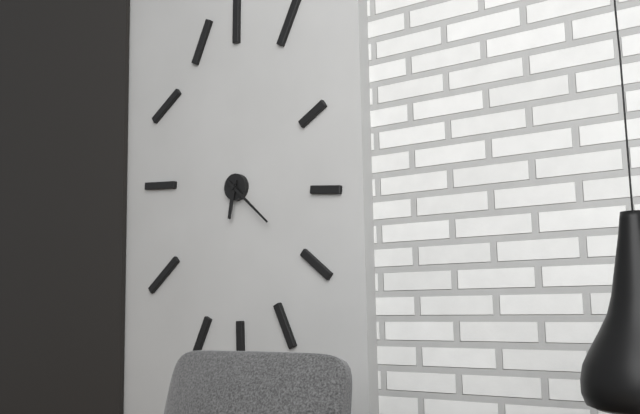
6:22
